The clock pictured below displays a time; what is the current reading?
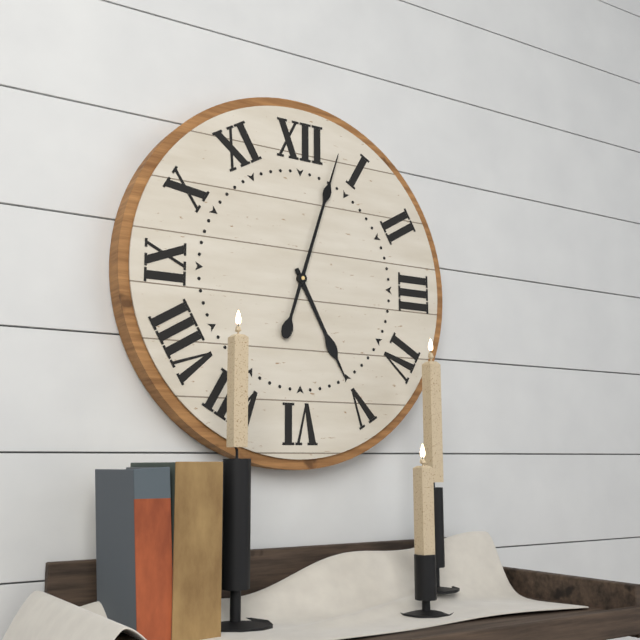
5:03
